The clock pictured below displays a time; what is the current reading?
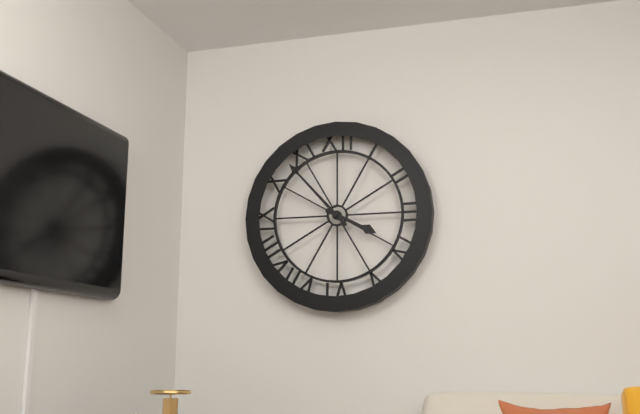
3:53
